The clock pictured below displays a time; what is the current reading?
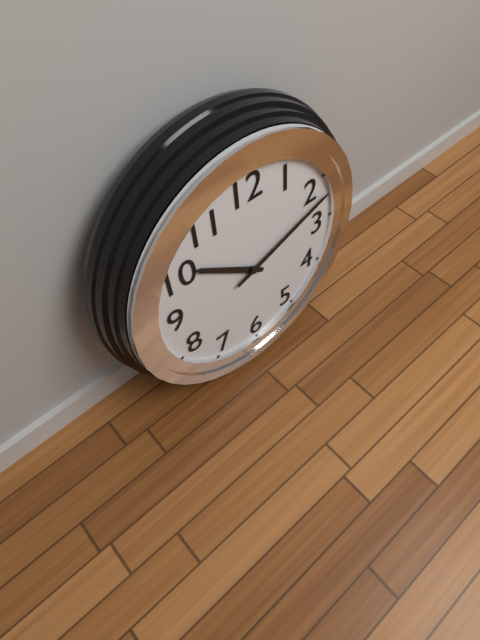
10:12
